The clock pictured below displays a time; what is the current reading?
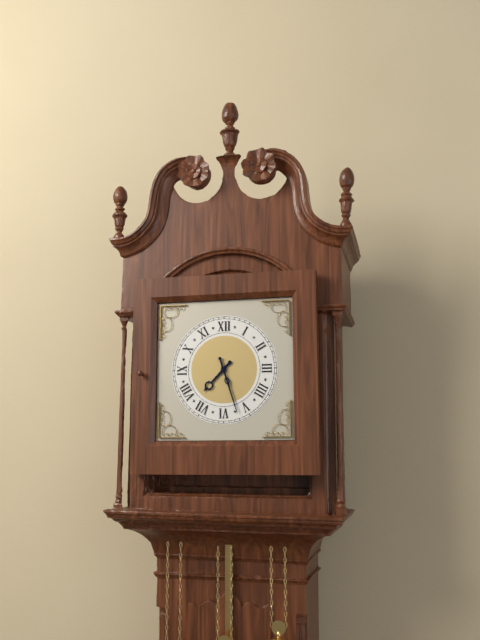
7:27
